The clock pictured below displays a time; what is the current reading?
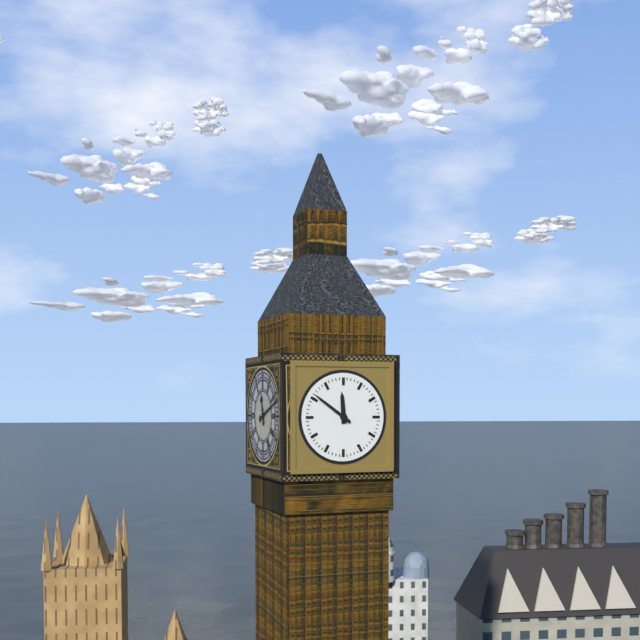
11:51
